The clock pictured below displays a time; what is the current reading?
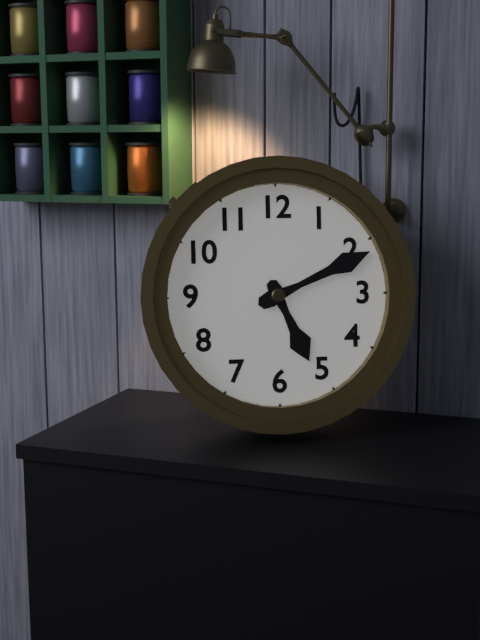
5:11
